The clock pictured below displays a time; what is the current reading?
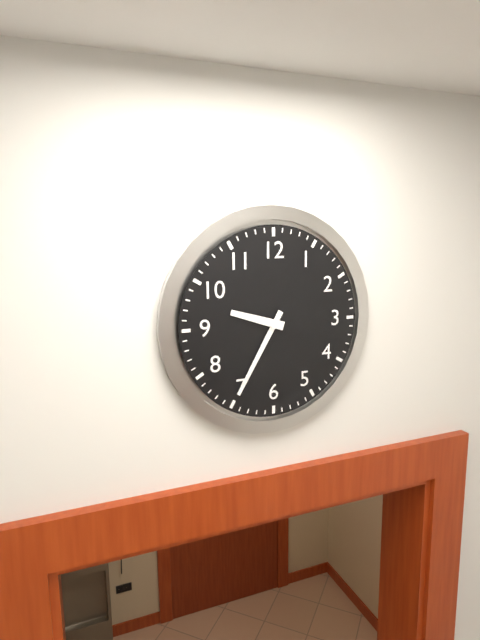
9:35
